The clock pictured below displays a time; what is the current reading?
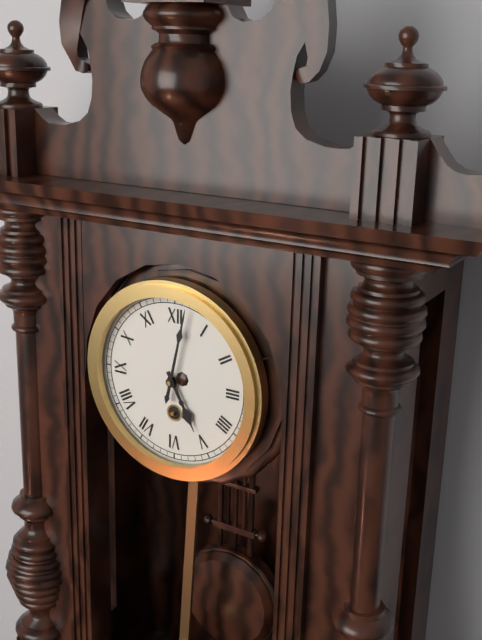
5:02
